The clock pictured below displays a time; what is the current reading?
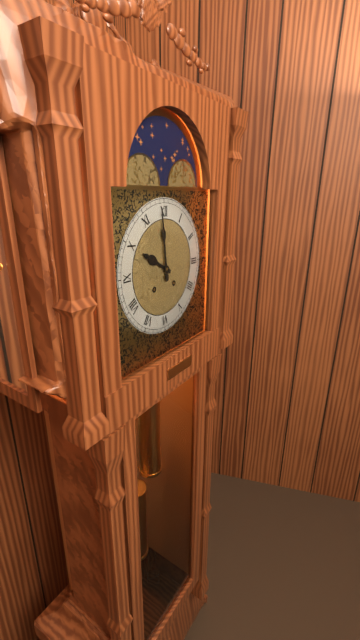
9:59
